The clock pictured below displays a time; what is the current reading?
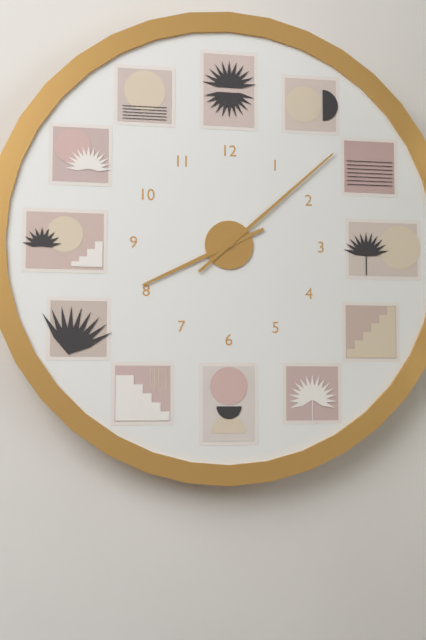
8:08
